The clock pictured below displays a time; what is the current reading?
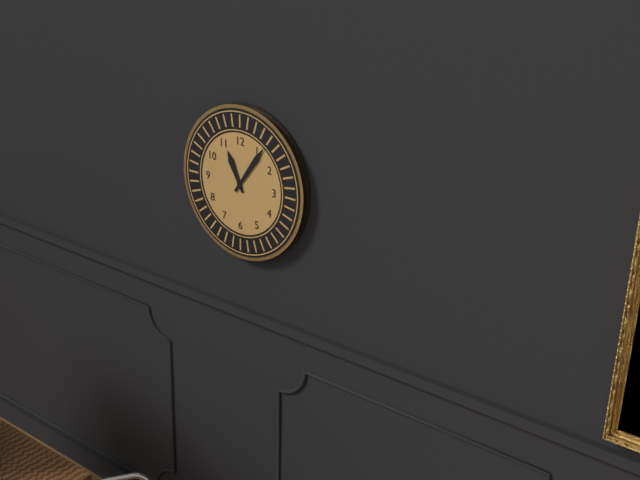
11:06
